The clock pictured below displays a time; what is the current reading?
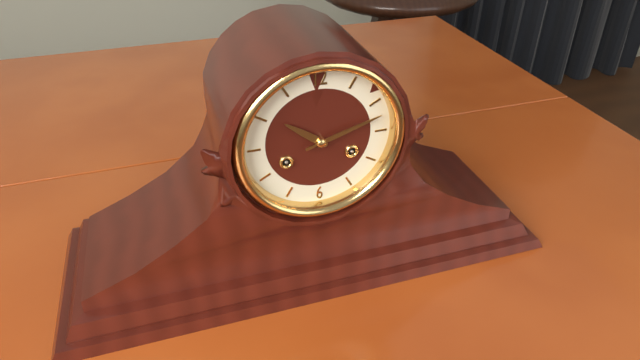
10:12
